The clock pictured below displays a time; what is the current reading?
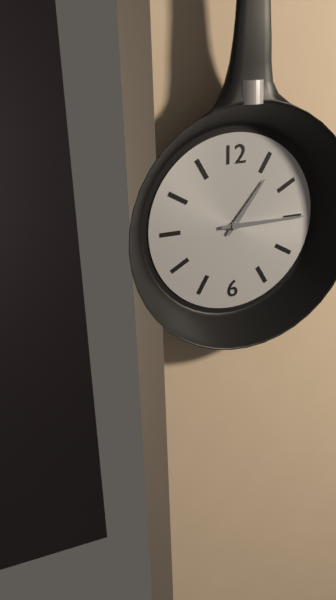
1:15
